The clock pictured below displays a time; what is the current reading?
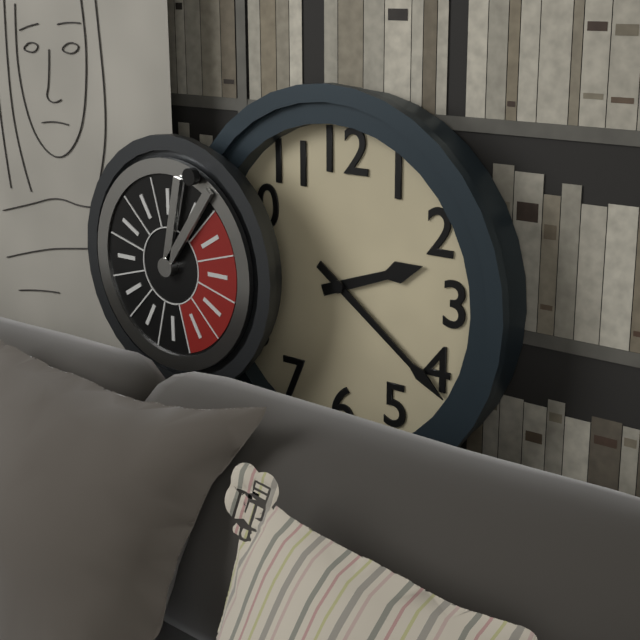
2:21
